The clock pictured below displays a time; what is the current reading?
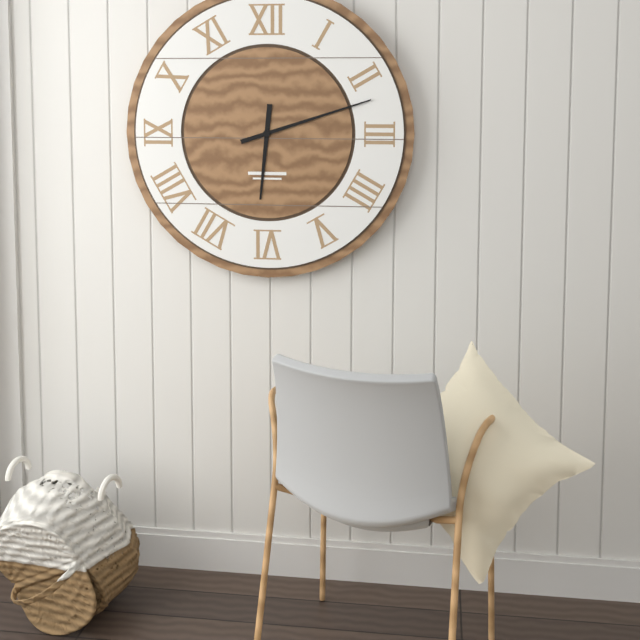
6:12
